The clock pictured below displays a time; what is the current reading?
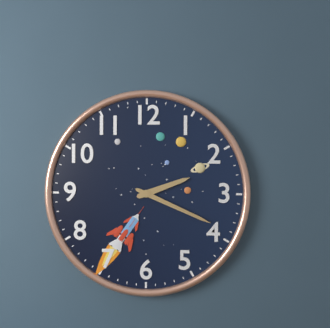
2:19
